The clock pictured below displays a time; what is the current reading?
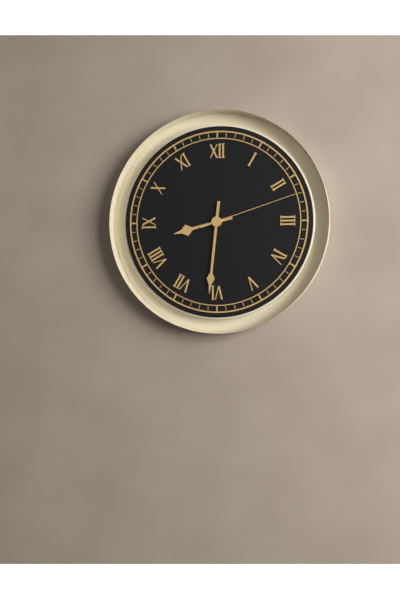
8:31:12
